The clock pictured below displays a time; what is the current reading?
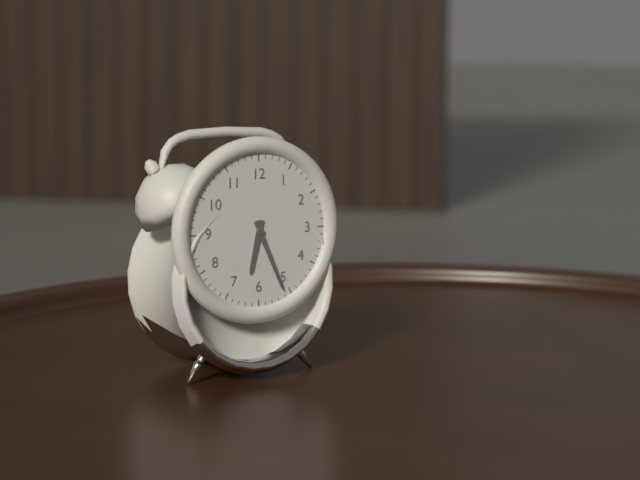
6:26
